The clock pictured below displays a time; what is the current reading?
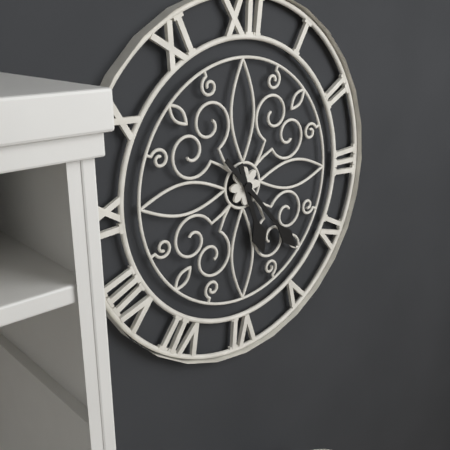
5:23
